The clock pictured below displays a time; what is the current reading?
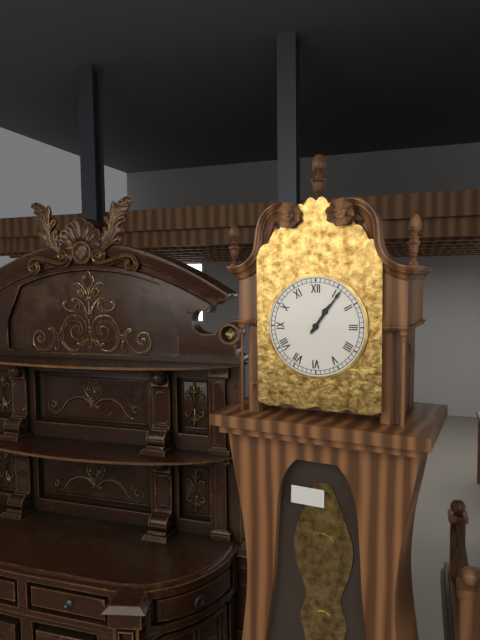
1:06
